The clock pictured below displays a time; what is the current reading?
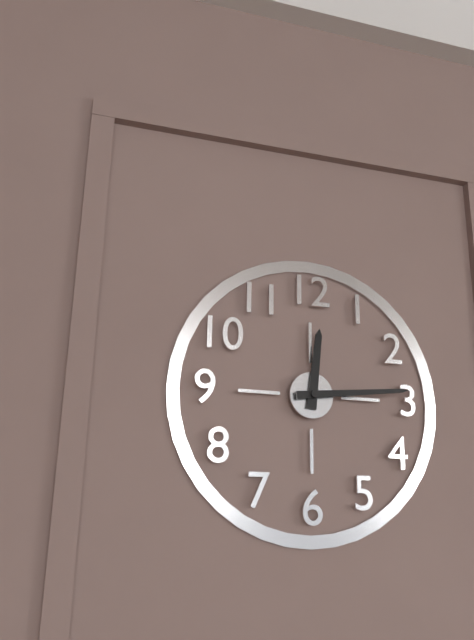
12:14
